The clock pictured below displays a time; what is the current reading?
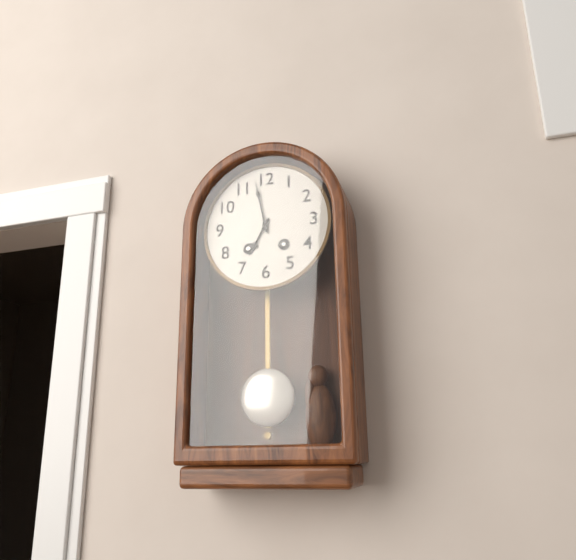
6:58
